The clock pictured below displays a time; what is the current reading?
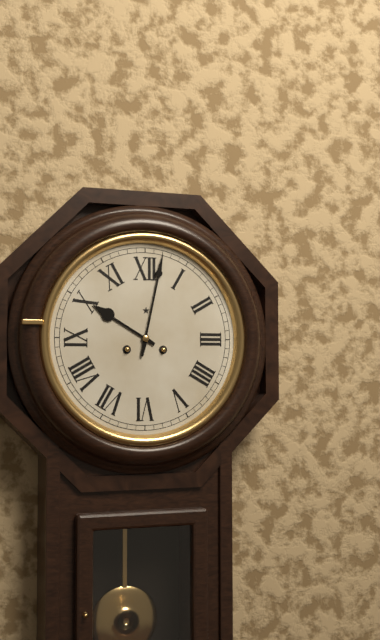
10:02
